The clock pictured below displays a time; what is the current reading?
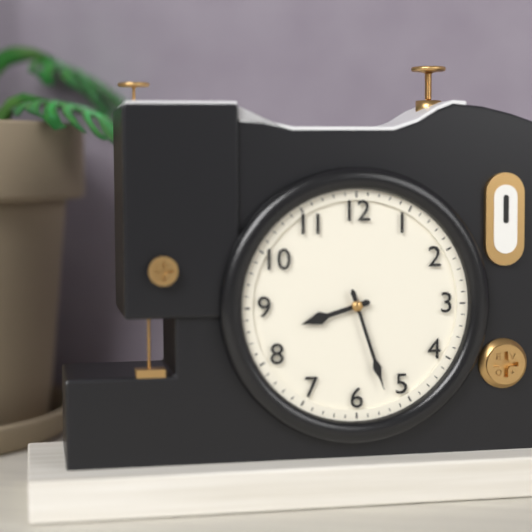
8:27
